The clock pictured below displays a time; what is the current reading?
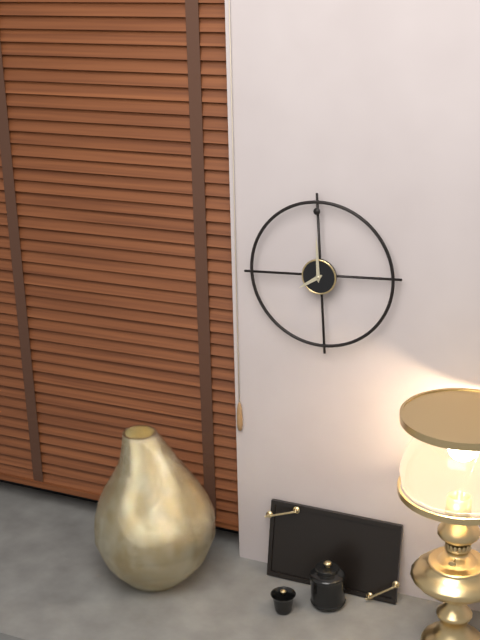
8:00
